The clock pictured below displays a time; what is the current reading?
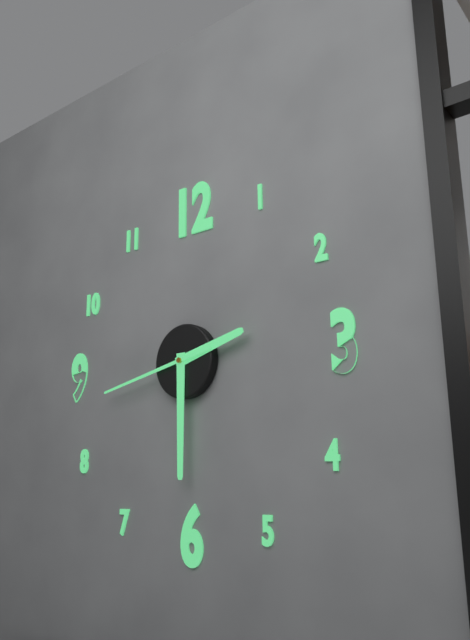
2:30:43
